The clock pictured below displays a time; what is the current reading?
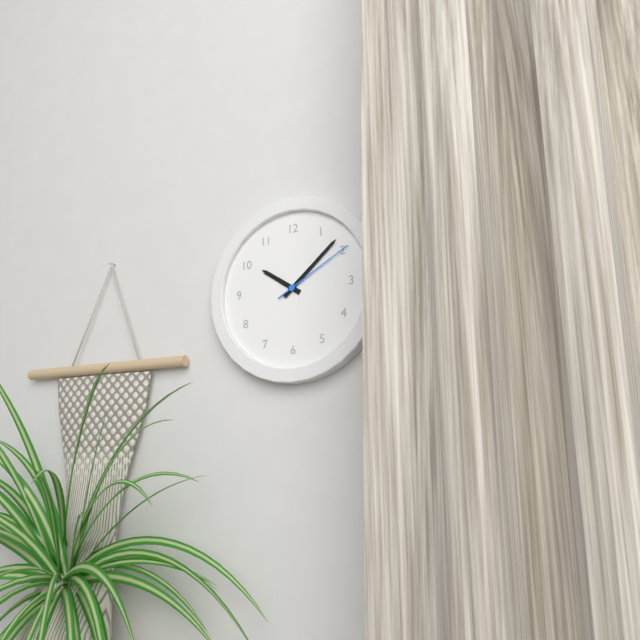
10:08:10
